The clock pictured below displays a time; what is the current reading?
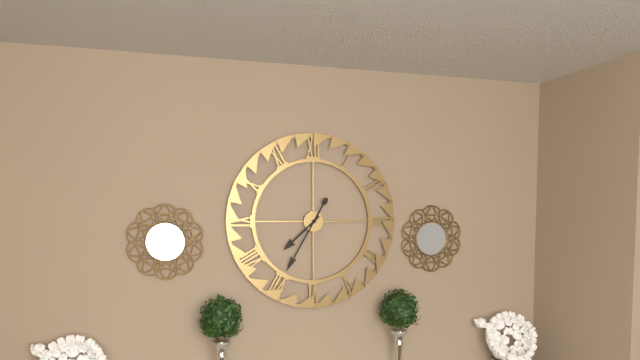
7:35
